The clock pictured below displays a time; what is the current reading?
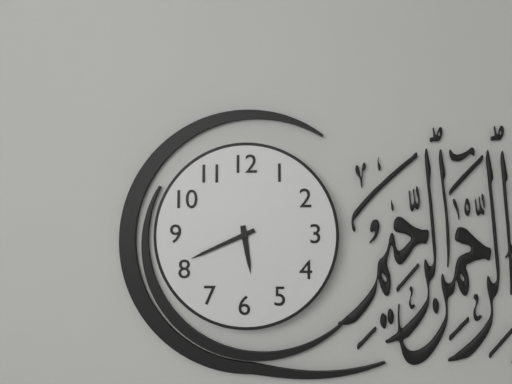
5:41
